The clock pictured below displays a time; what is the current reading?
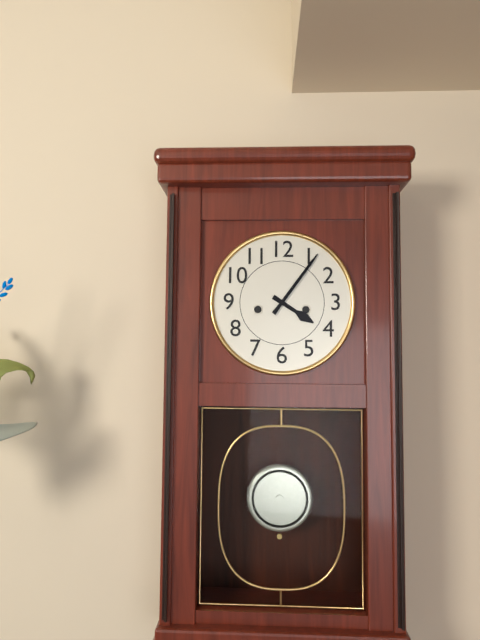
4:06
